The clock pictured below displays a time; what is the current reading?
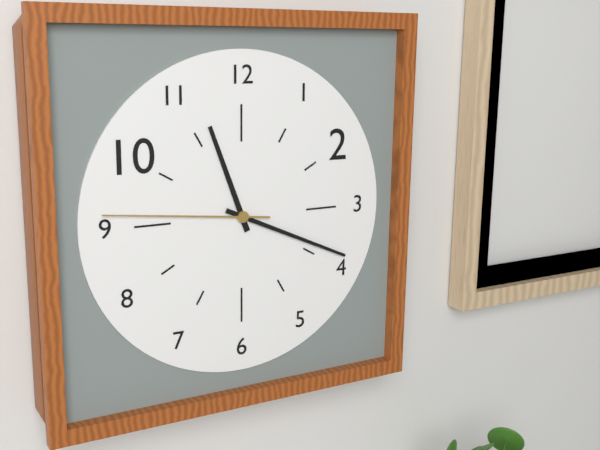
11:19:46
